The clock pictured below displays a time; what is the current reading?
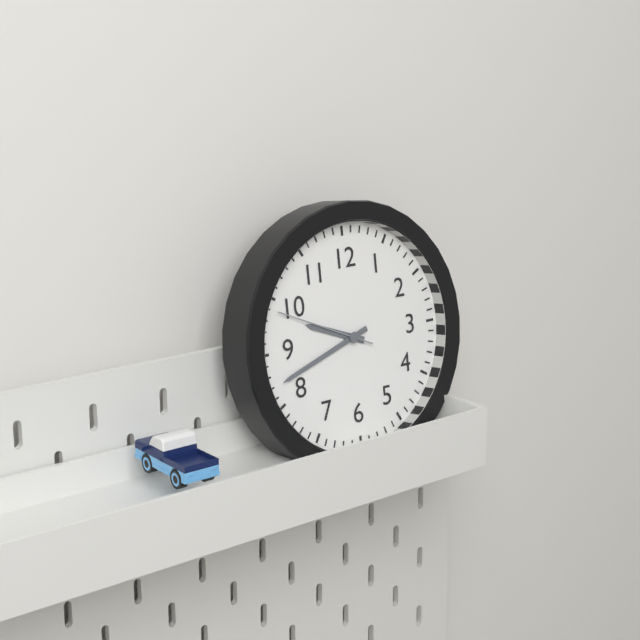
9:42:49
